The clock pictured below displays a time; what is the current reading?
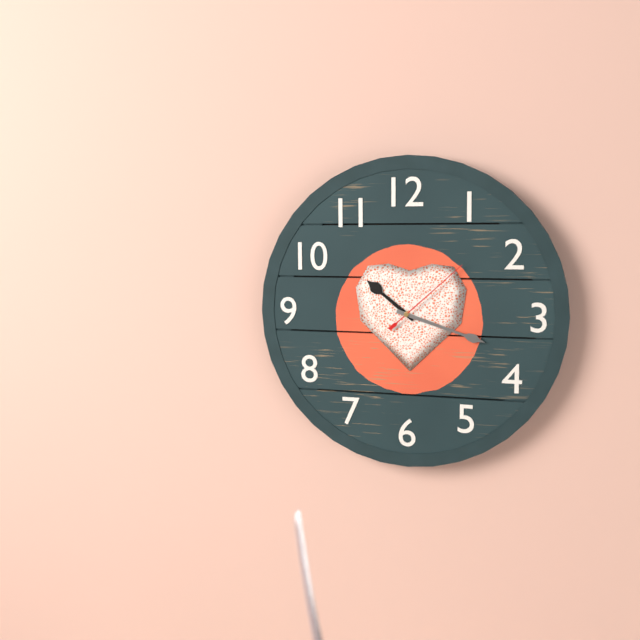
10:18:08
